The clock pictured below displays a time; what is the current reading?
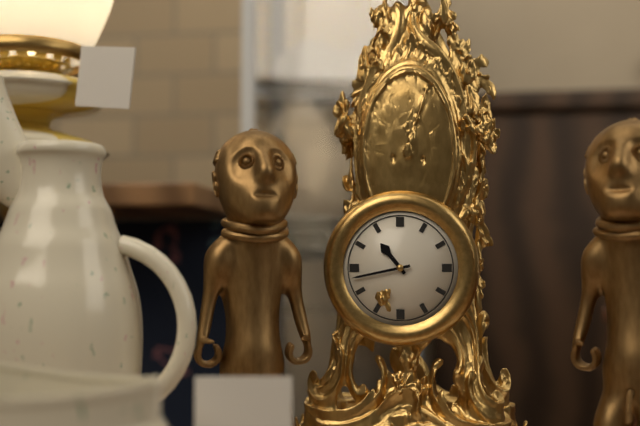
10:43
